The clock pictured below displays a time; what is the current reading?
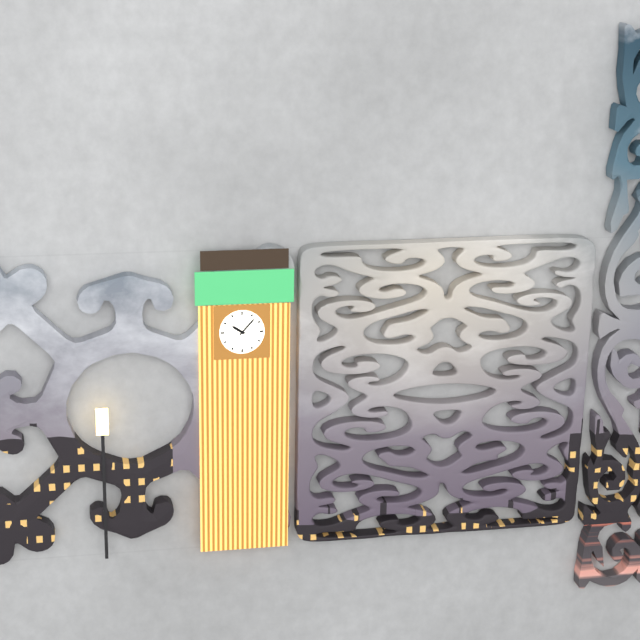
10:07
